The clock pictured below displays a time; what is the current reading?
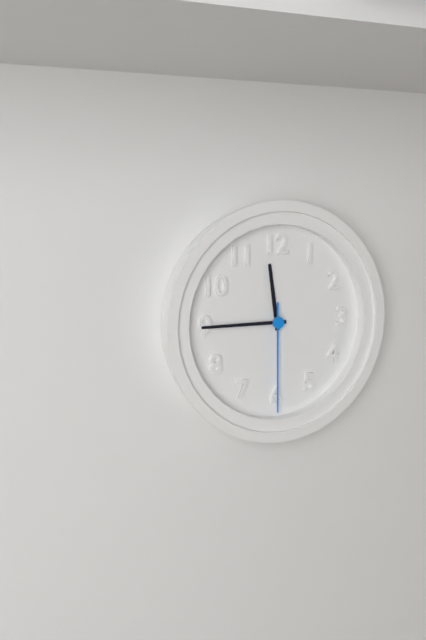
11:45:30
